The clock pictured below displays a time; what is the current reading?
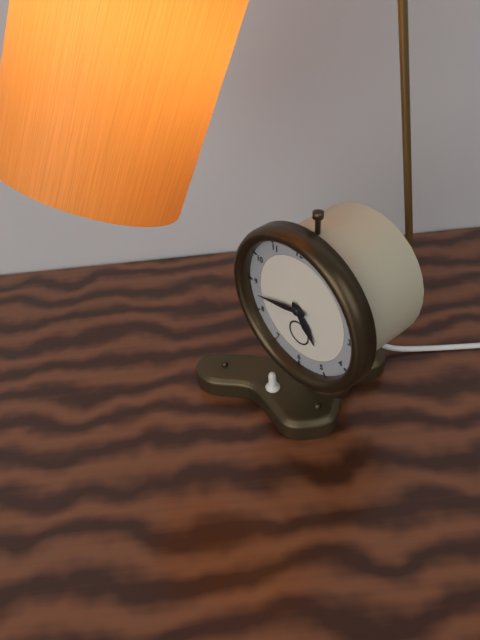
4:43
